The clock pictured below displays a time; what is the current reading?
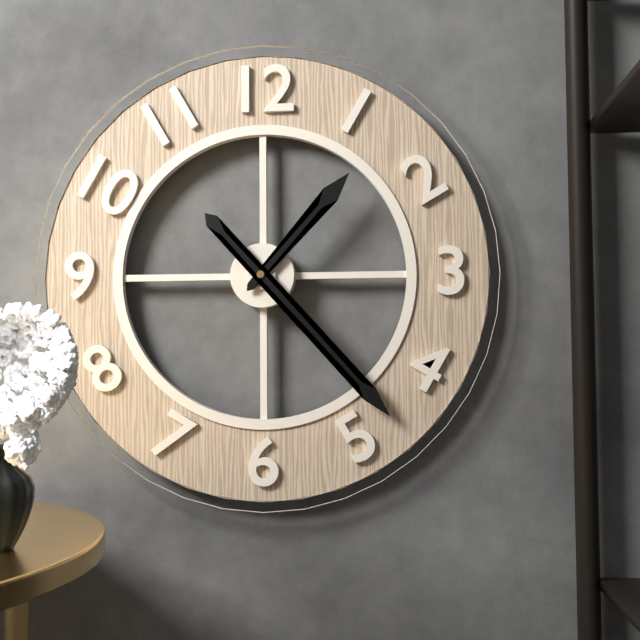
1:23
